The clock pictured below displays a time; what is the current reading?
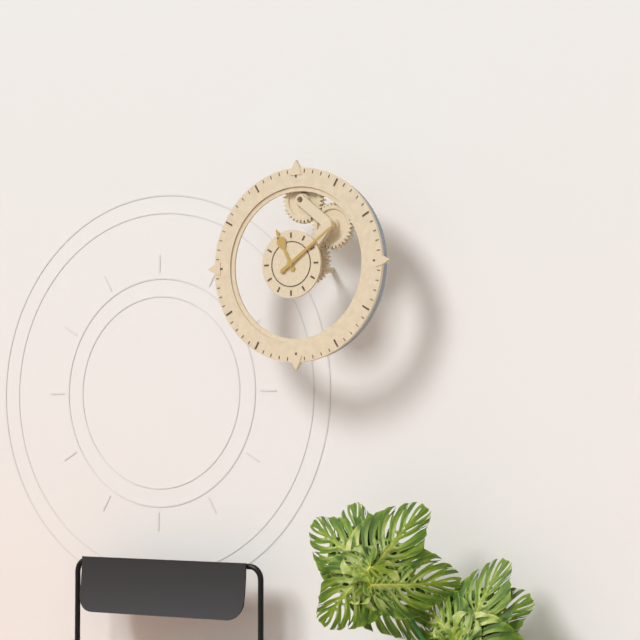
11:09
